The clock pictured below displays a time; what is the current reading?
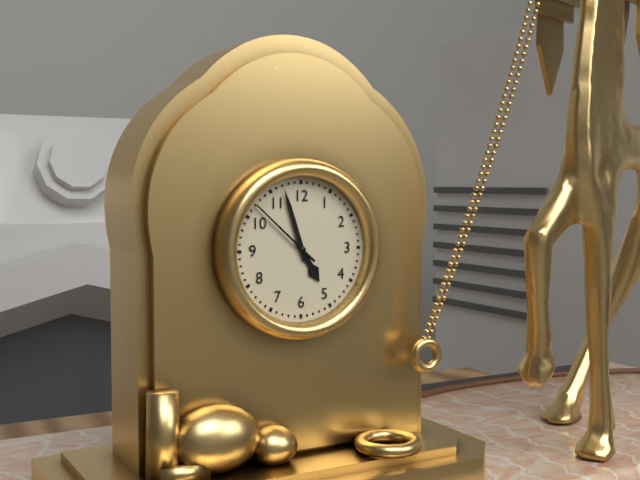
4:57:52
